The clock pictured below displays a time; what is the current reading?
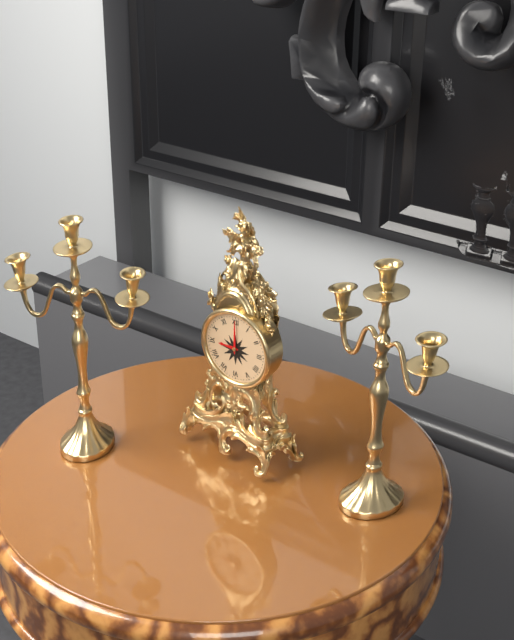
9:00
